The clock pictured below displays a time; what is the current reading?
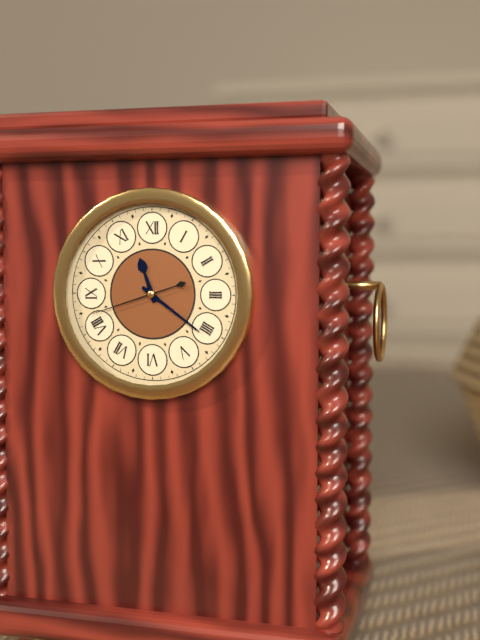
11:21:42
